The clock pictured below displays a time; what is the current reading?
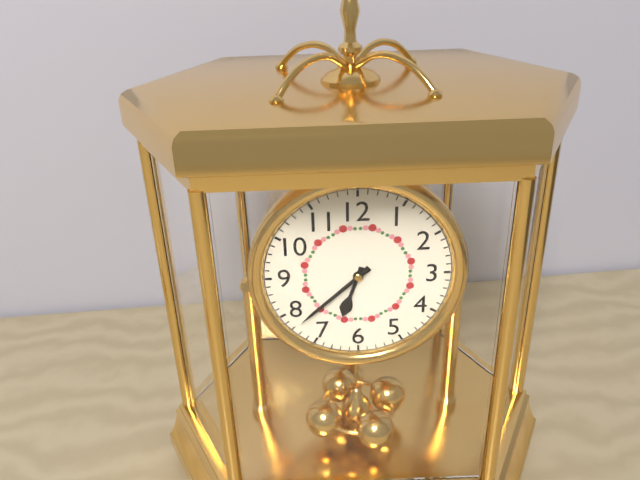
6:38
